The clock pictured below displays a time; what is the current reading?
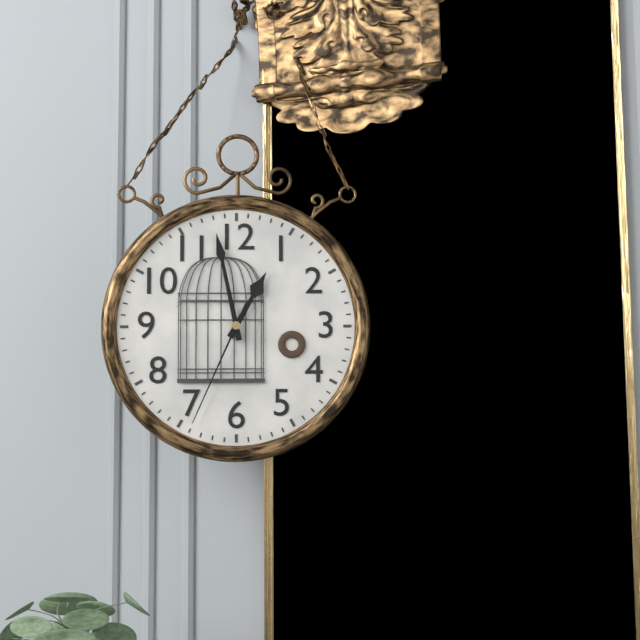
12:58:34
